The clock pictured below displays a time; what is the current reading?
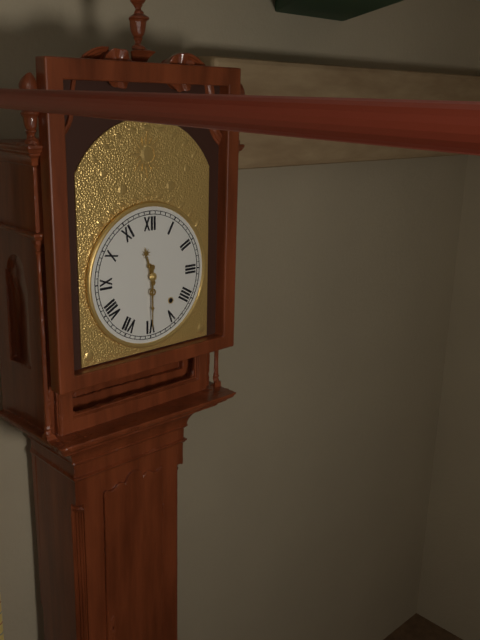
11:30
